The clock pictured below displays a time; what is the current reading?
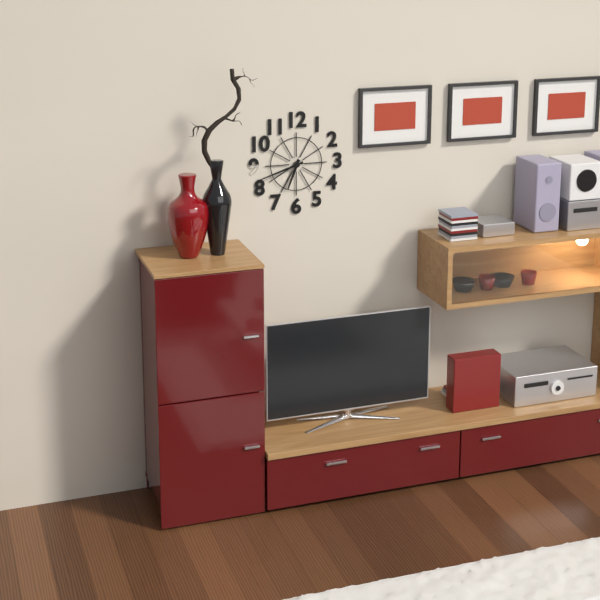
6:42
